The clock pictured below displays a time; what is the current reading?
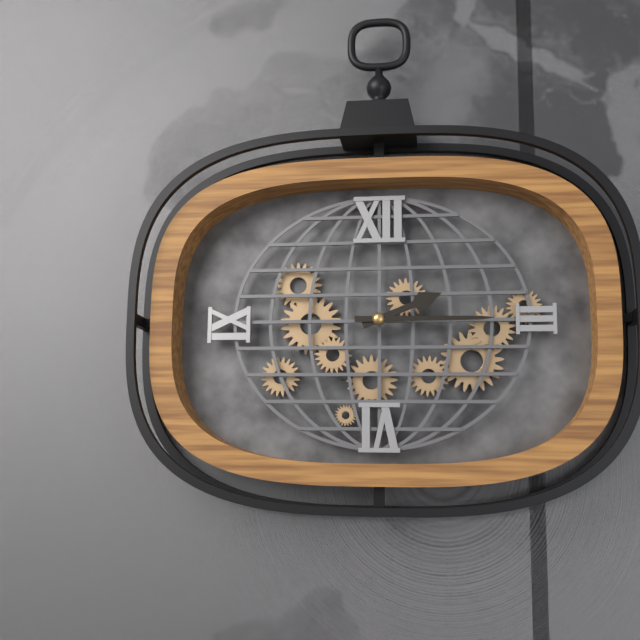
2:15
